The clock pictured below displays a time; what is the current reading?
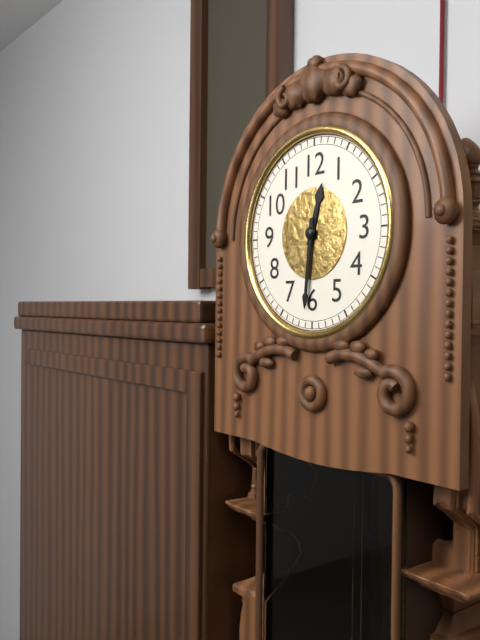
12:31
